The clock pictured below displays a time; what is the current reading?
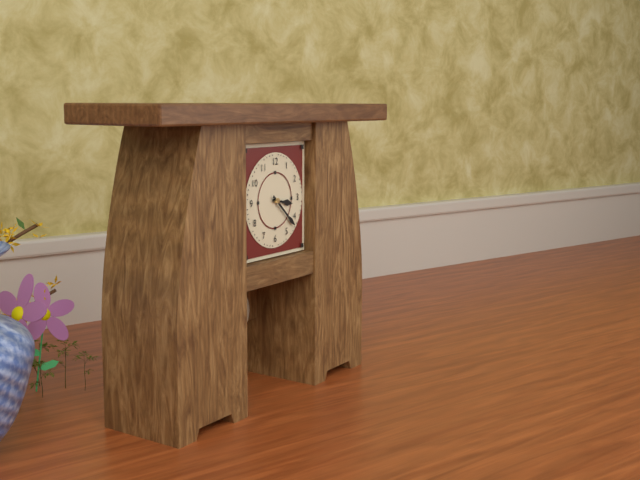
3:22
